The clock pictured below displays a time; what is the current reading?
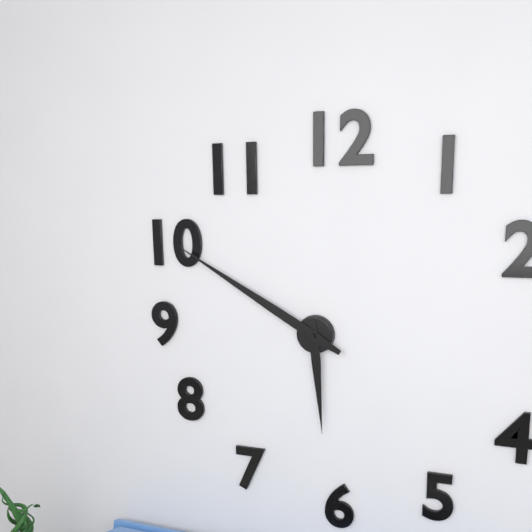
5:50
